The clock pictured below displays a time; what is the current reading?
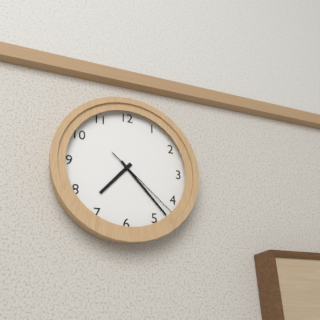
7:23:22
